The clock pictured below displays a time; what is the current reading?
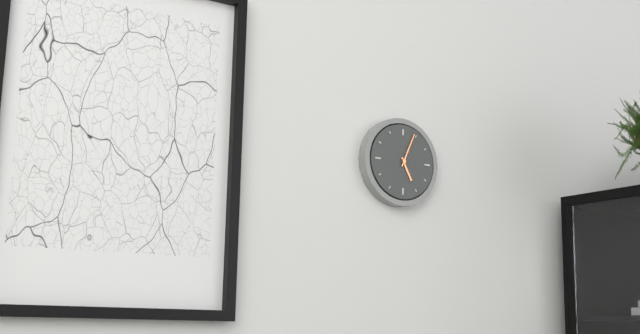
5:04
